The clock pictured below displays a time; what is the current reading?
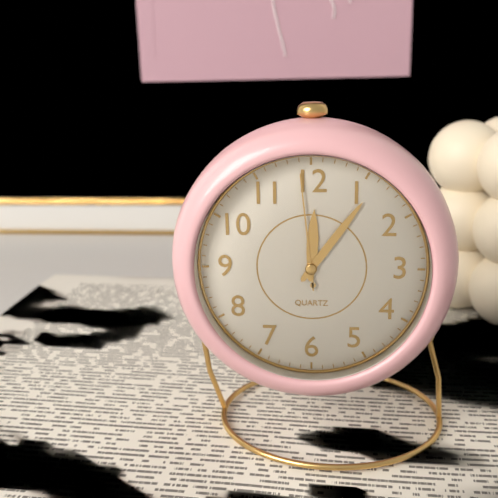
12:06:59
